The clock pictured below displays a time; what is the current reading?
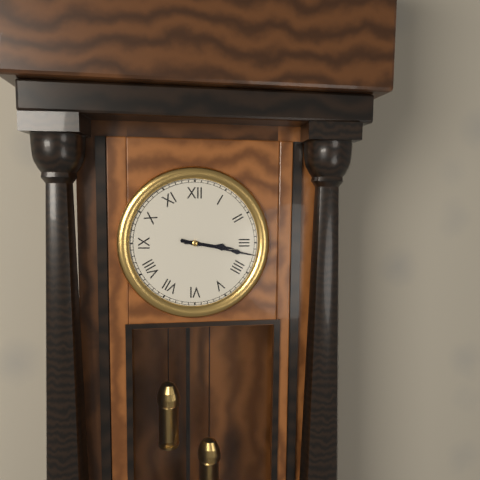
3:17
